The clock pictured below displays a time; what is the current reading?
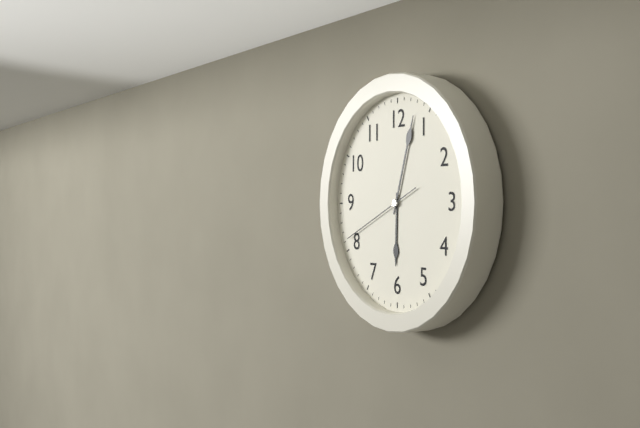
6:03:41
